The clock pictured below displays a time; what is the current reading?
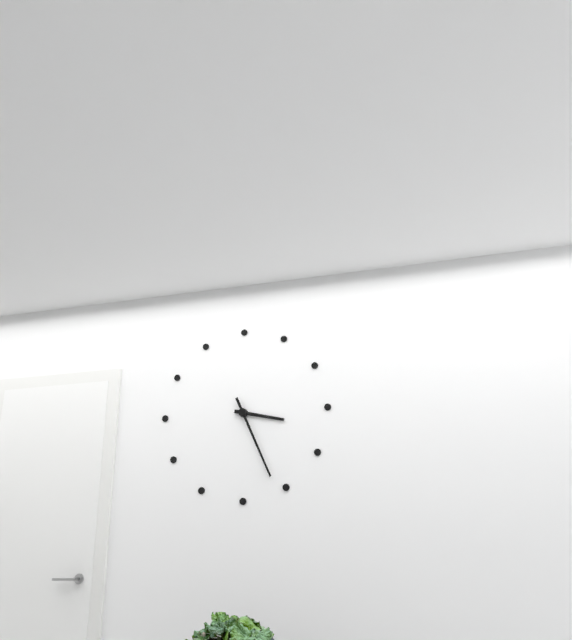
3:26
